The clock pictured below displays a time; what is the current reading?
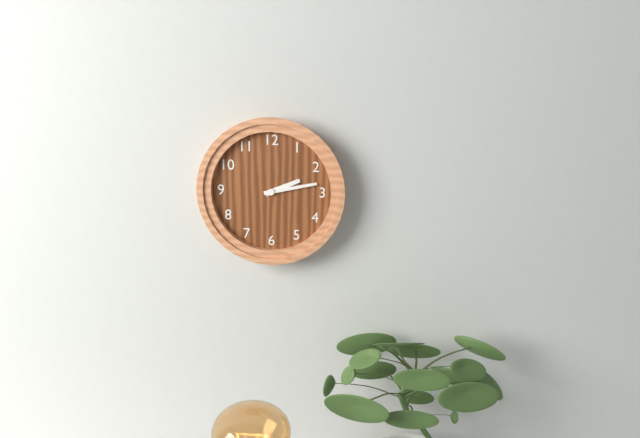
2:13
